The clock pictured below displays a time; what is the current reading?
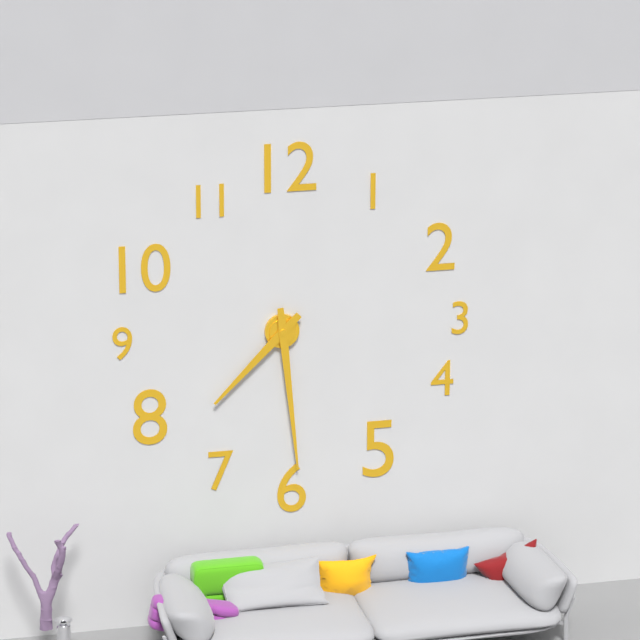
7:29
